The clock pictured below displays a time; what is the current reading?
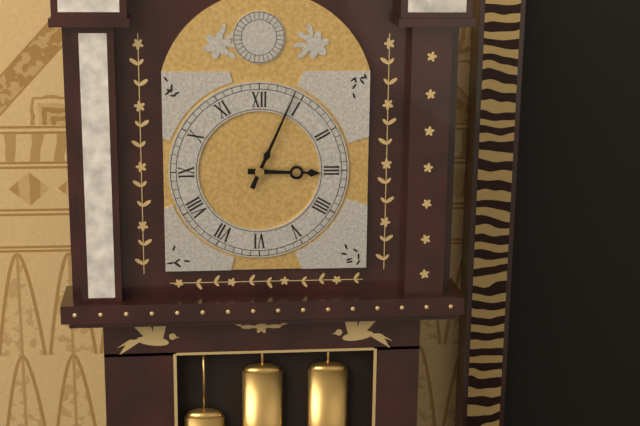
3:04
